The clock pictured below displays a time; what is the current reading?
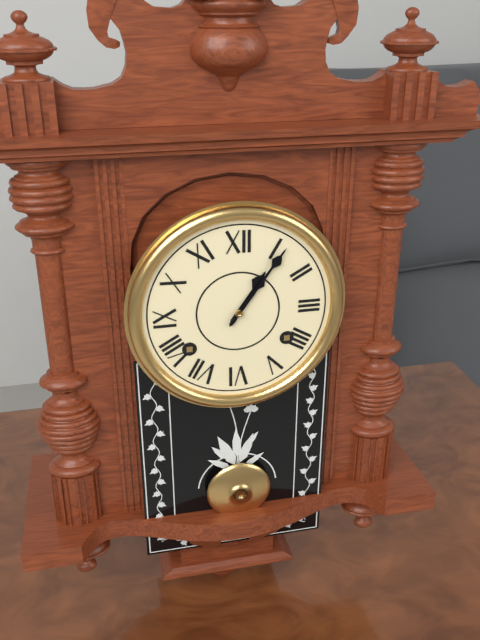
1:06
